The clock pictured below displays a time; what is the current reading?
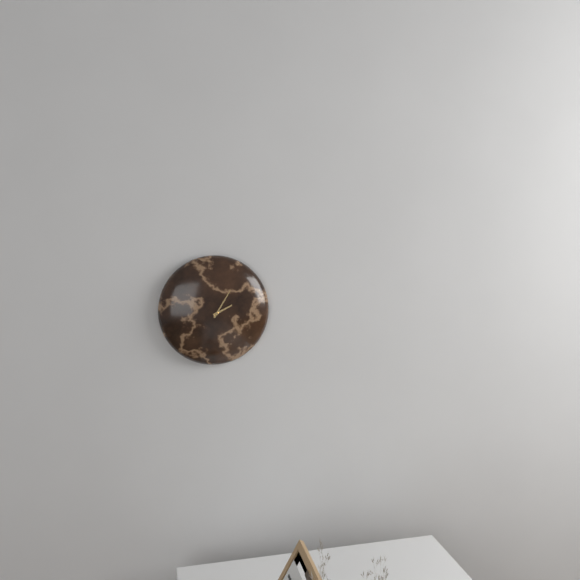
2:05
